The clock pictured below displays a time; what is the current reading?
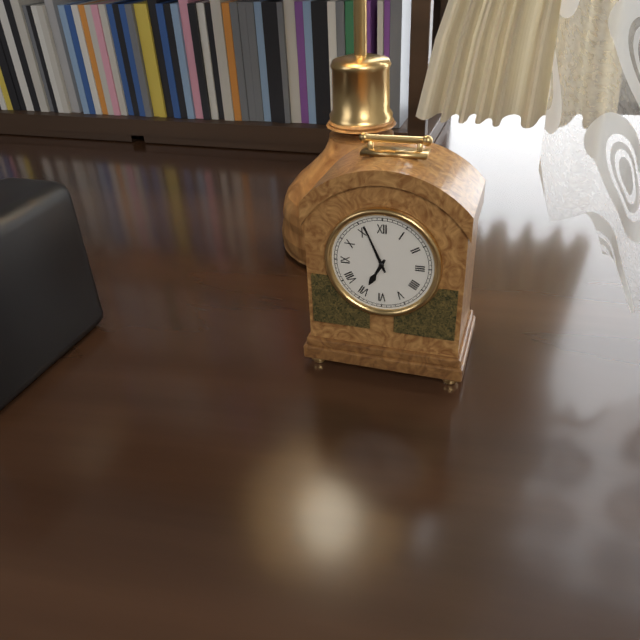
6:56
